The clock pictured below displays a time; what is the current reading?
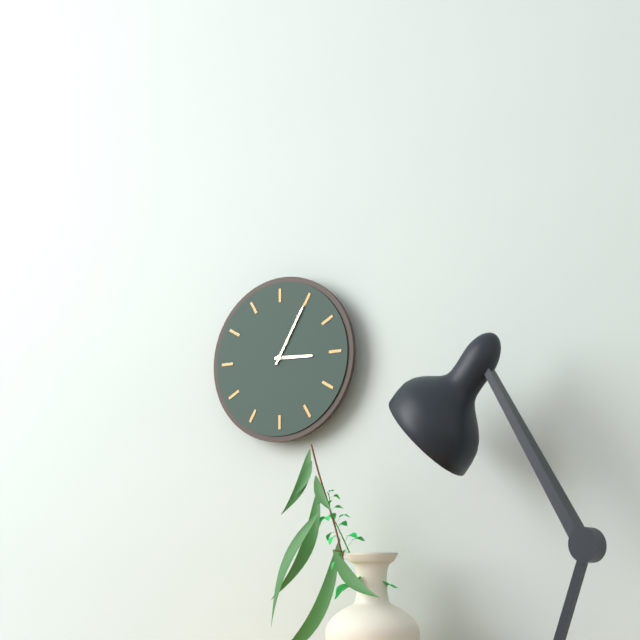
3:05
